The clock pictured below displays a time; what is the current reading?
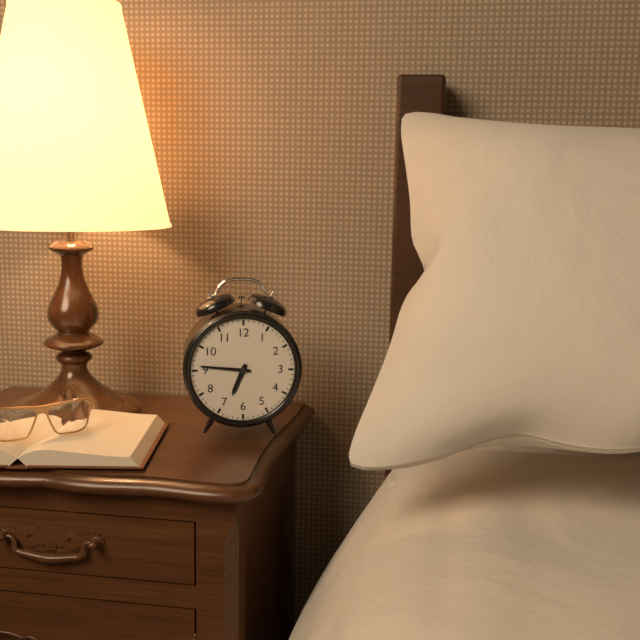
6:46
